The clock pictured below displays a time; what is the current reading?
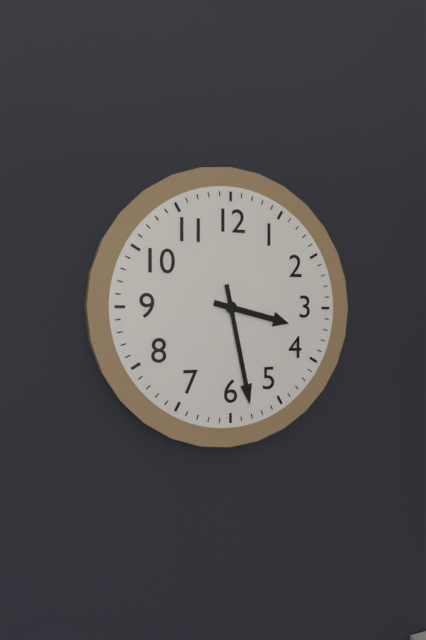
3:28
